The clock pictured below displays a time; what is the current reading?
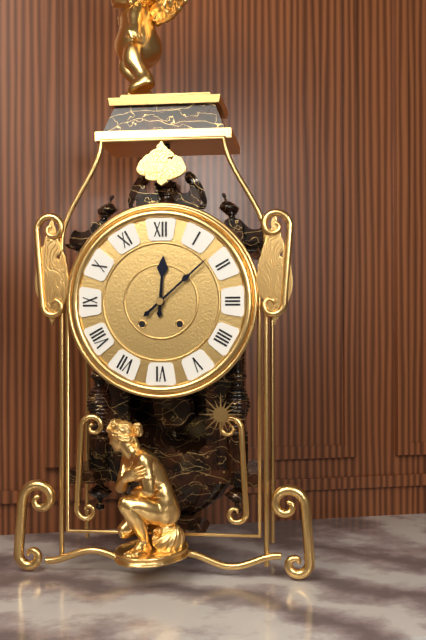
12:08
